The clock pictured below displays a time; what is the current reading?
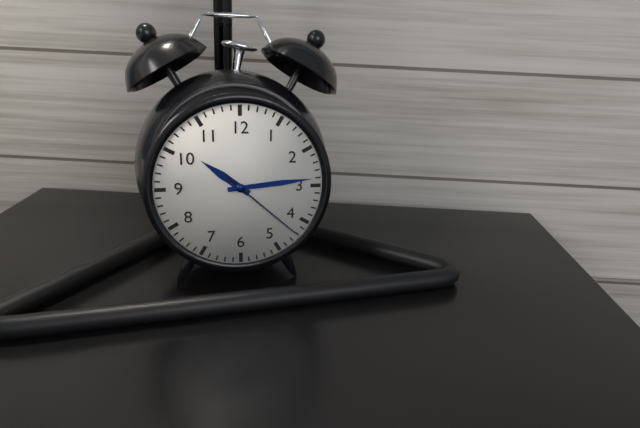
10:14:22
